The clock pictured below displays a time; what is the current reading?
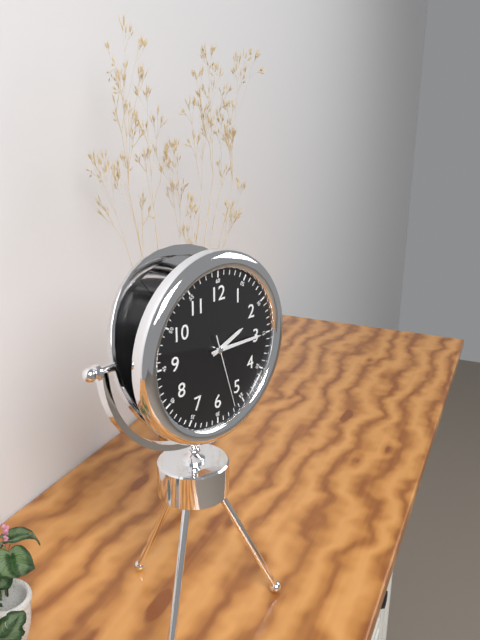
2:15:27
